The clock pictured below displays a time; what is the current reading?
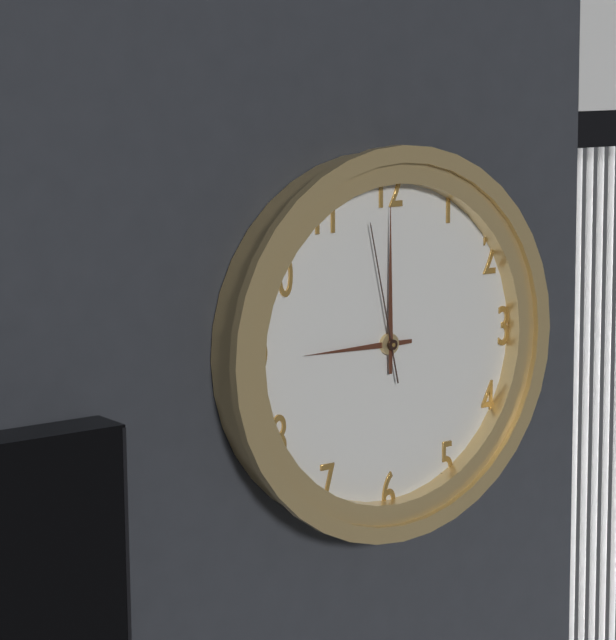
9:00:58
